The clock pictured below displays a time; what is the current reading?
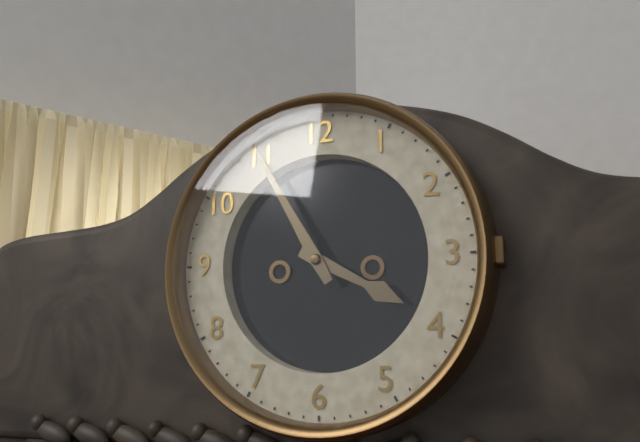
3:55
